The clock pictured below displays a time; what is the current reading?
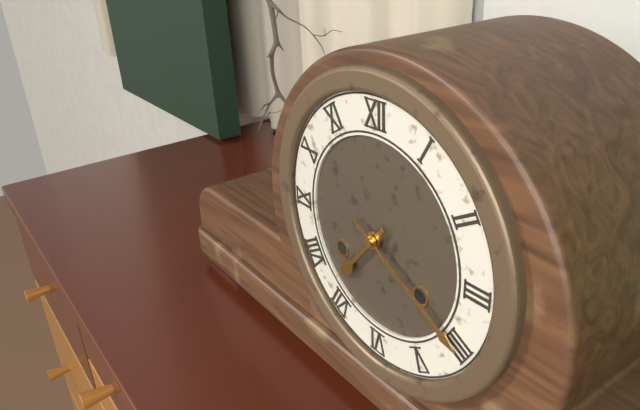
7:20
